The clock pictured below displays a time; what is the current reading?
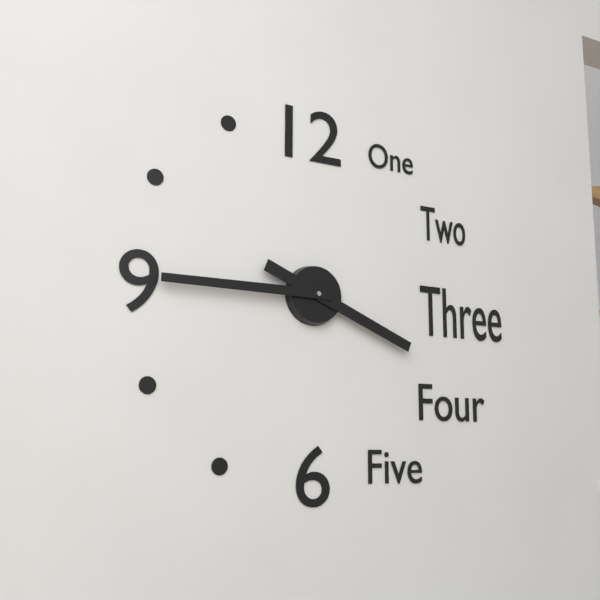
3:45
